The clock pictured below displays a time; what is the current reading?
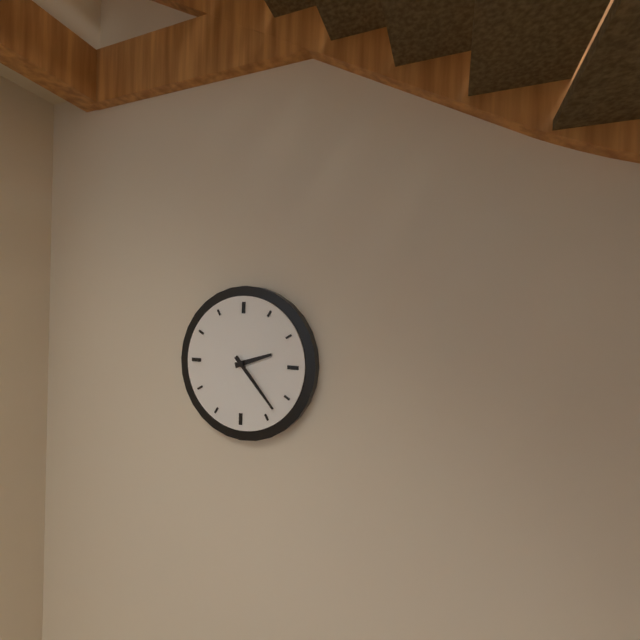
2:23
